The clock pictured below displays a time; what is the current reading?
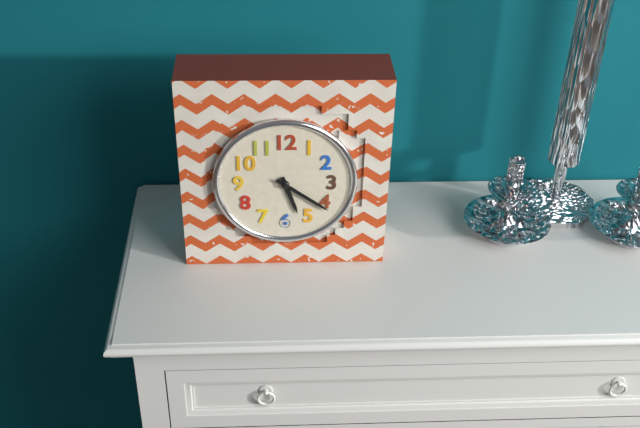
5:21
